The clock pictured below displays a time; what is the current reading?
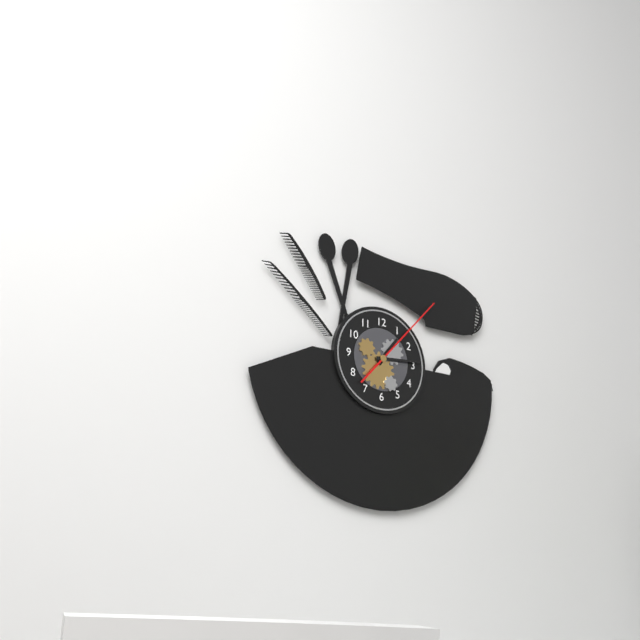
1:14:07
